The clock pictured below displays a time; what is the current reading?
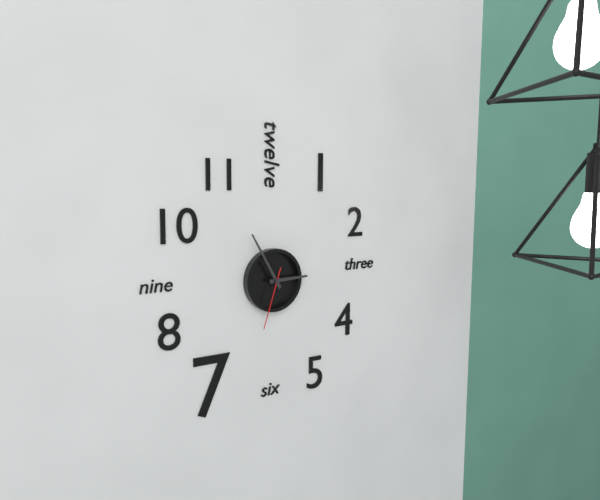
2:55:33
